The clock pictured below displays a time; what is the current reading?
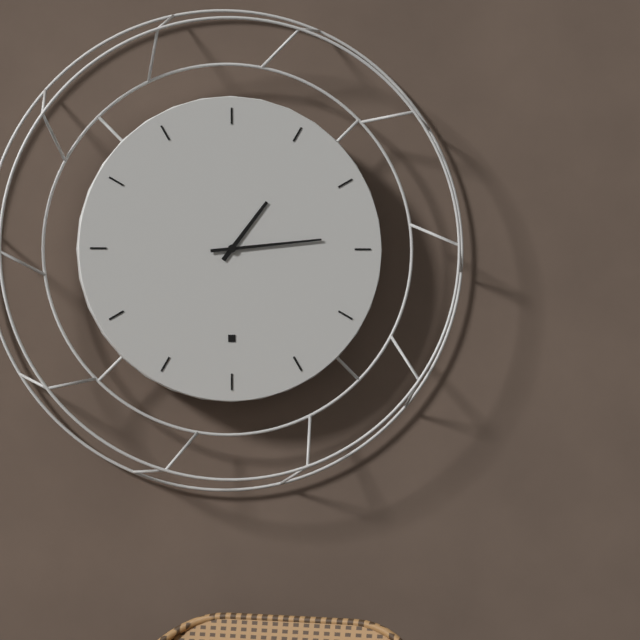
1:14
